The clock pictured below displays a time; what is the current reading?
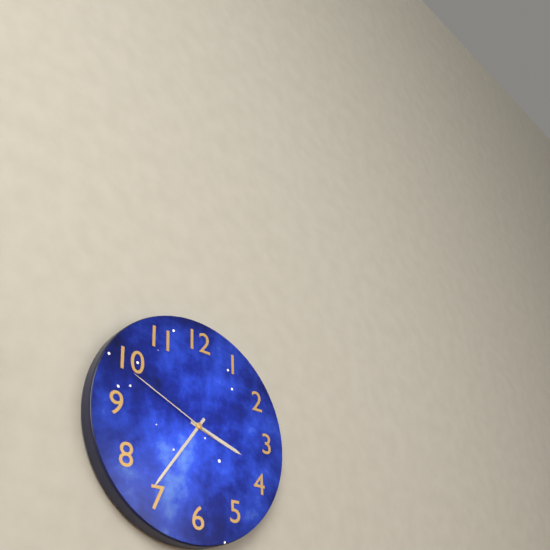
3:36:49
